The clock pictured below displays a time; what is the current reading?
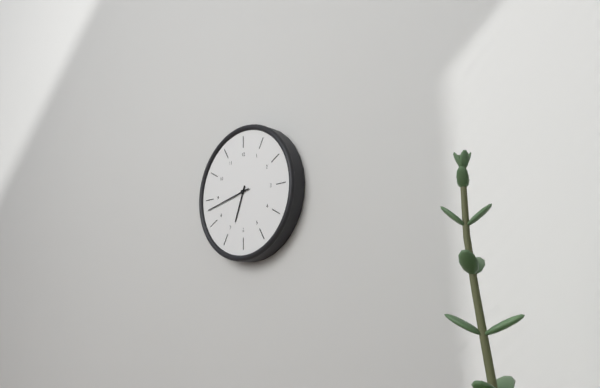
6:43
